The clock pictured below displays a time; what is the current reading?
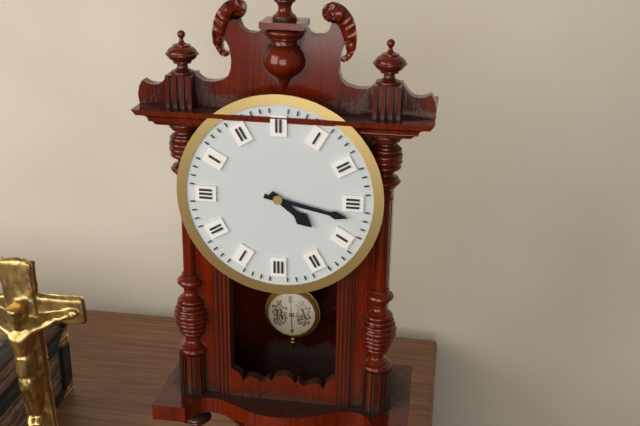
4:17
